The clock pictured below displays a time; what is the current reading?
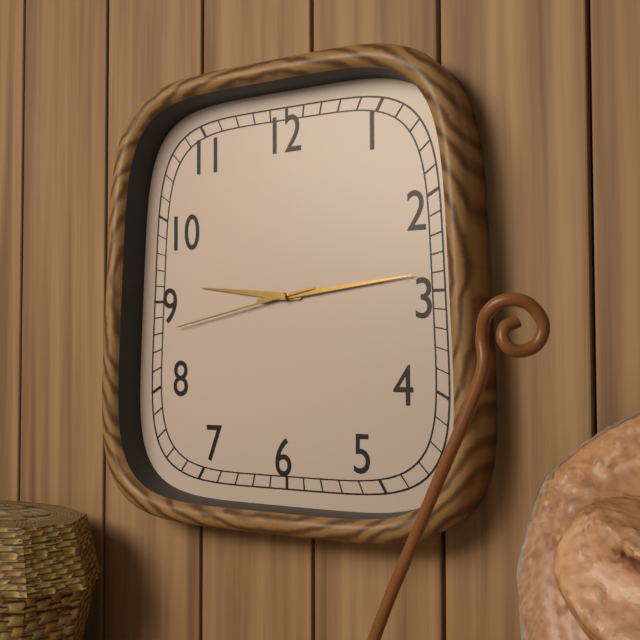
9:14:43
